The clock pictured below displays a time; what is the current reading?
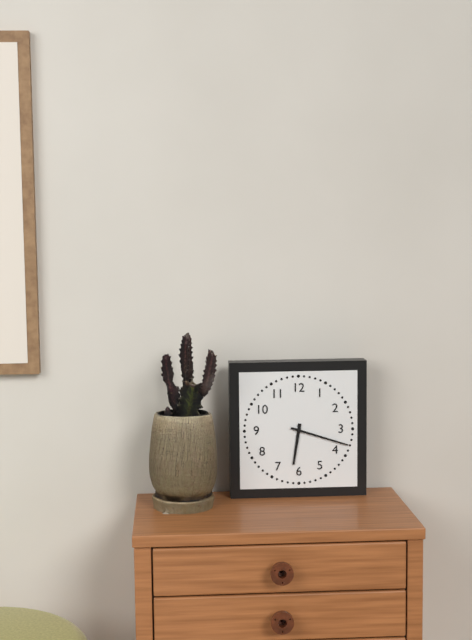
6:18
